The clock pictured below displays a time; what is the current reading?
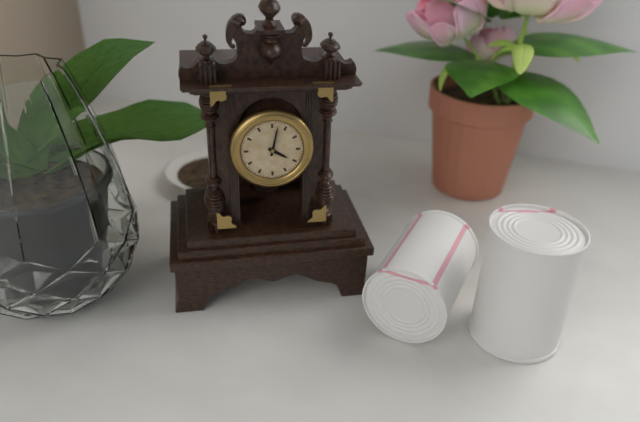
4:02
